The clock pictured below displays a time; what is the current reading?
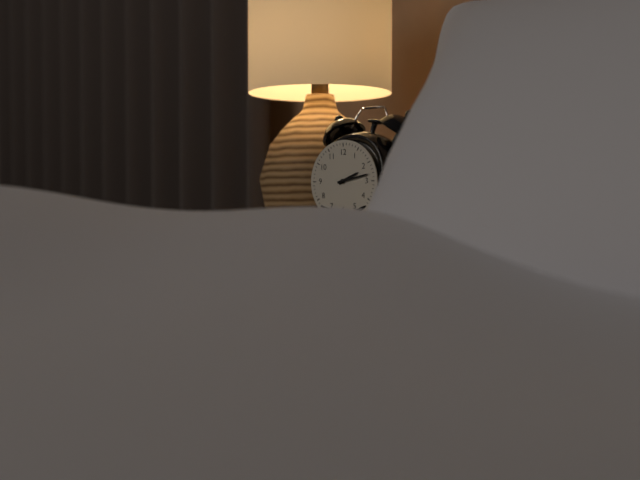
2:13
